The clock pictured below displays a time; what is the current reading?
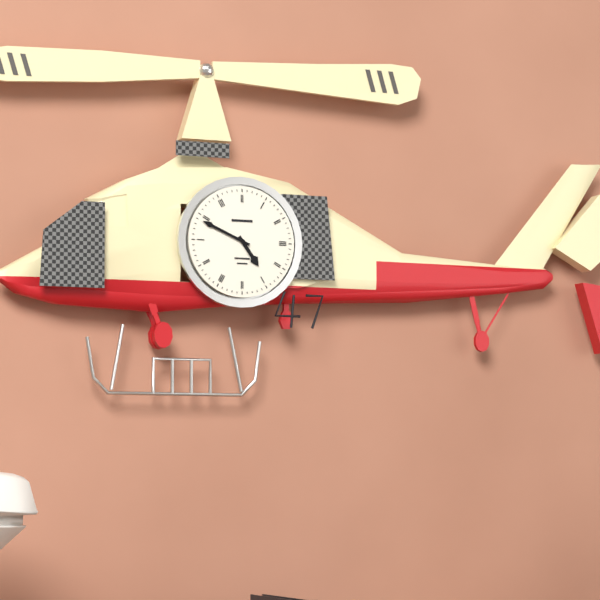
4:49
